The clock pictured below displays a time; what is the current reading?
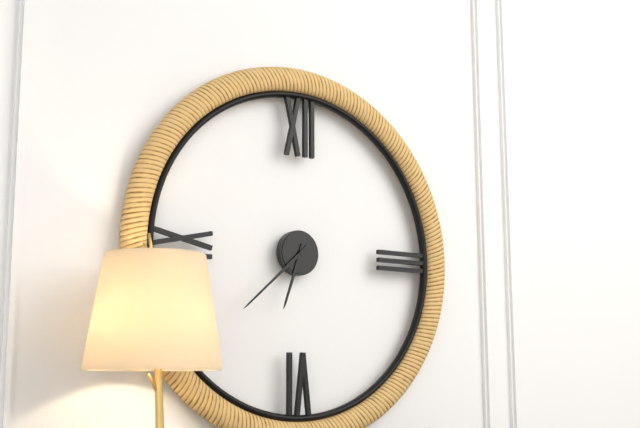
6:38
